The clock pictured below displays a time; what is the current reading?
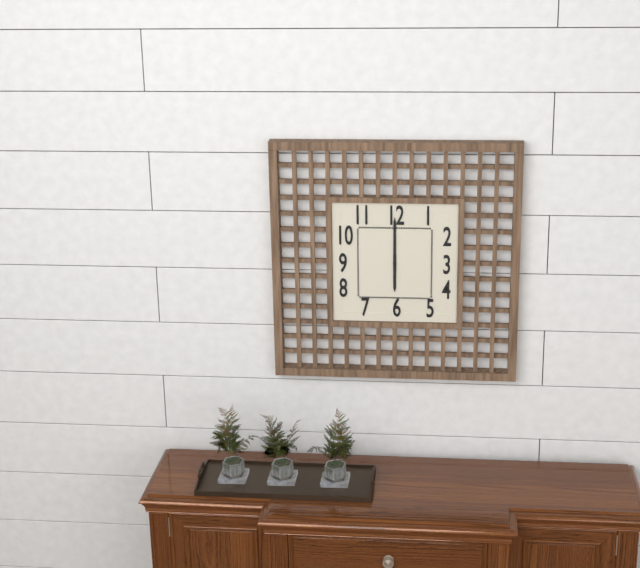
6:00
